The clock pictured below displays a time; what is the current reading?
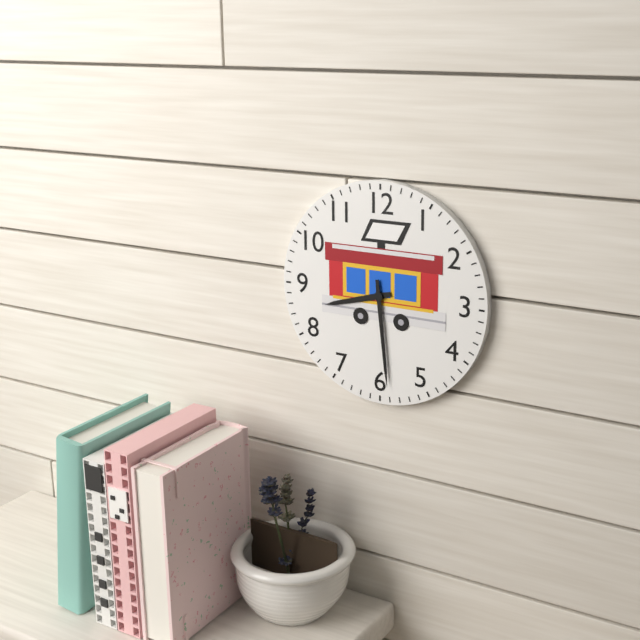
8:29
